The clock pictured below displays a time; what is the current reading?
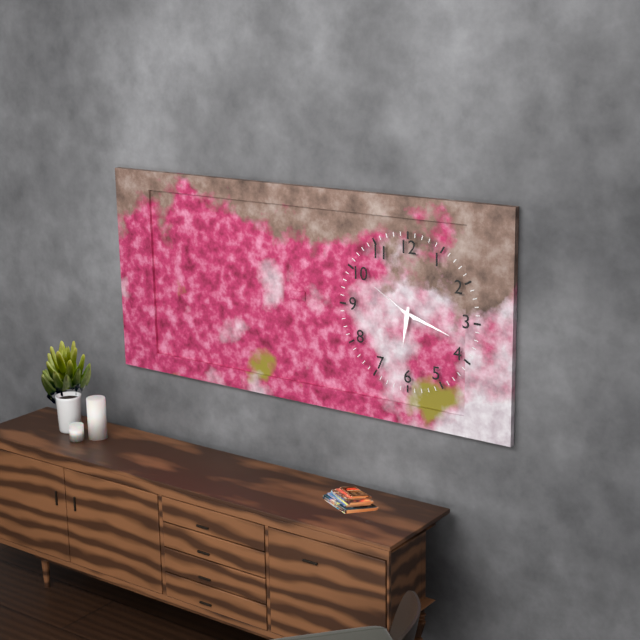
6:18:50
